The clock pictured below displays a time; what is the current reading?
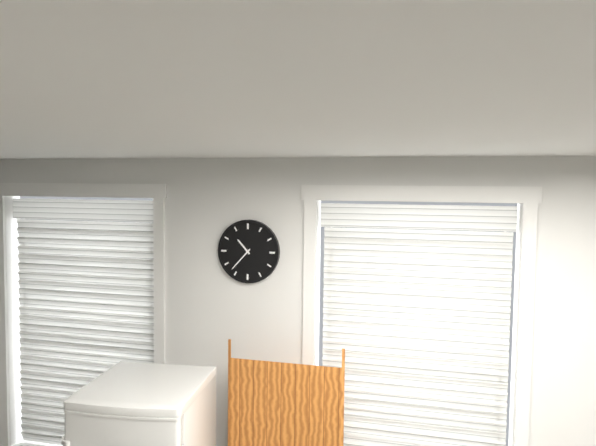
10:37
